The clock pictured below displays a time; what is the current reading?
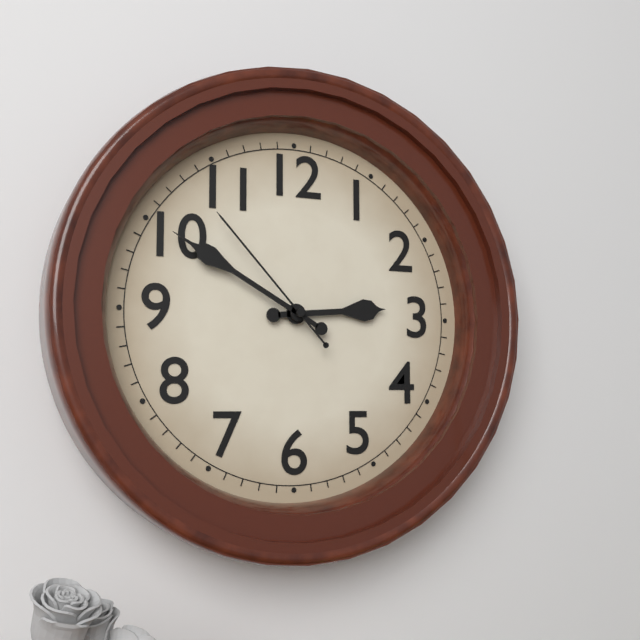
2:50:53
